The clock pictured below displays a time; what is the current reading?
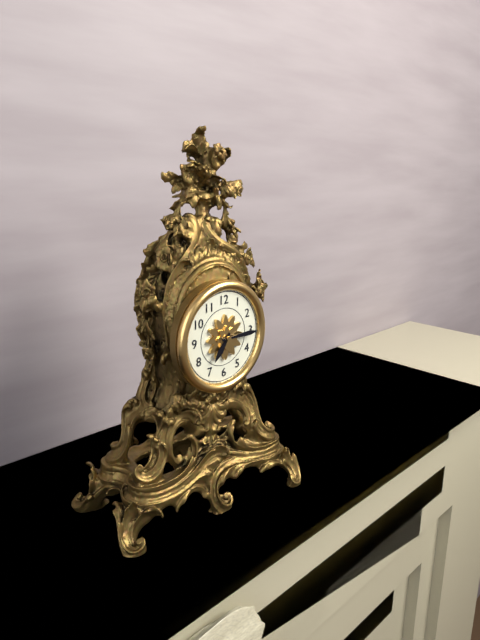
7:15
